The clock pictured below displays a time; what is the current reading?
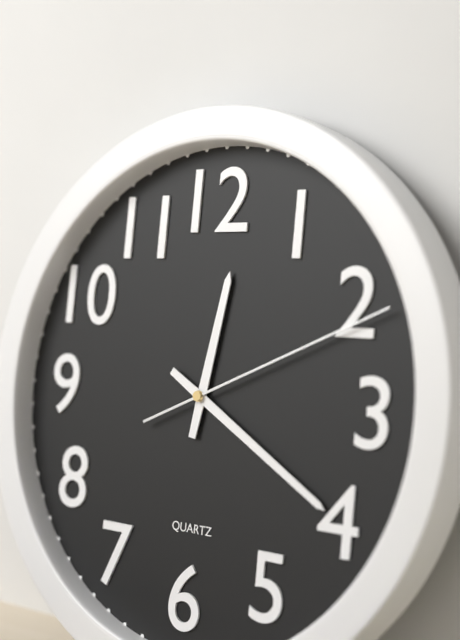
12:20:11
